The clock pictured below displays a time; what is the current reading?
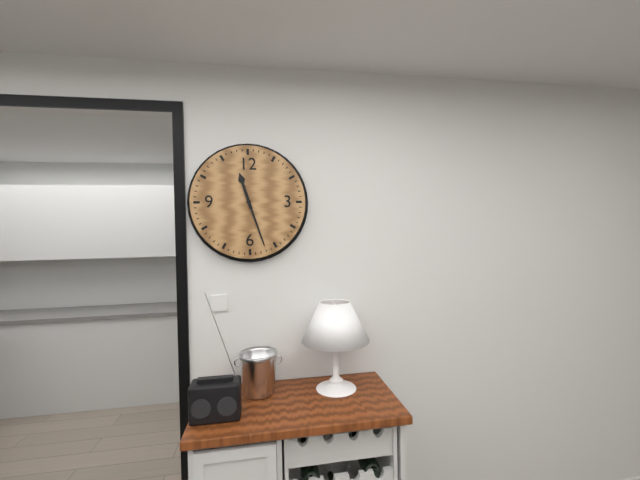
11:27
